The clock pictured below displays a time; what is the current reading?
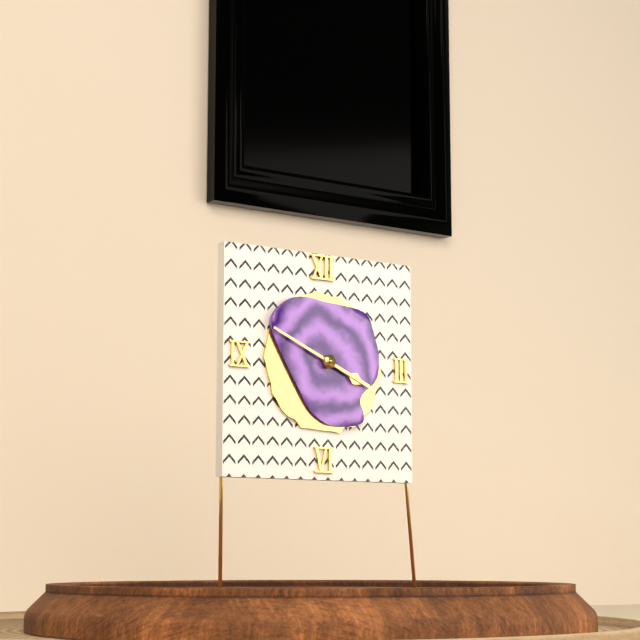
3:49
